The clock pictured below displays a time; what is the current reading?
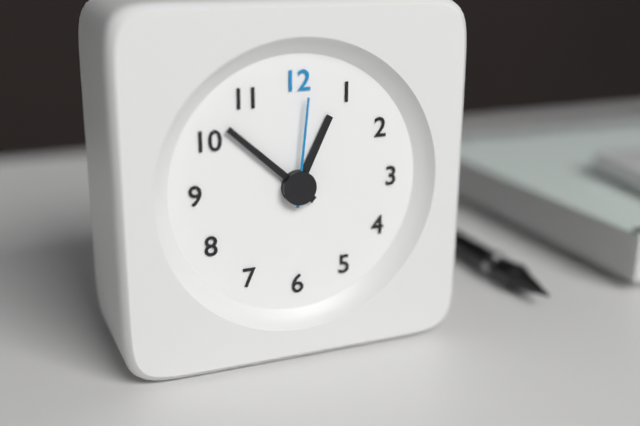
12:52:01
